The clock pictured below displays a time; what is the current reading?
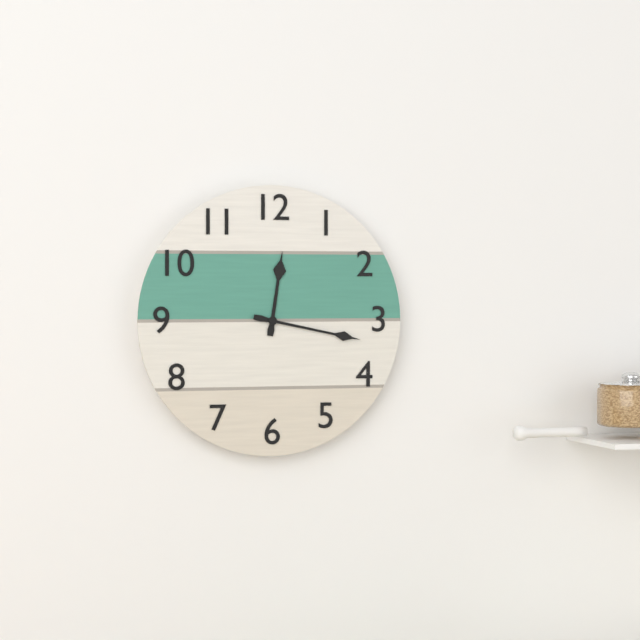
12:17
